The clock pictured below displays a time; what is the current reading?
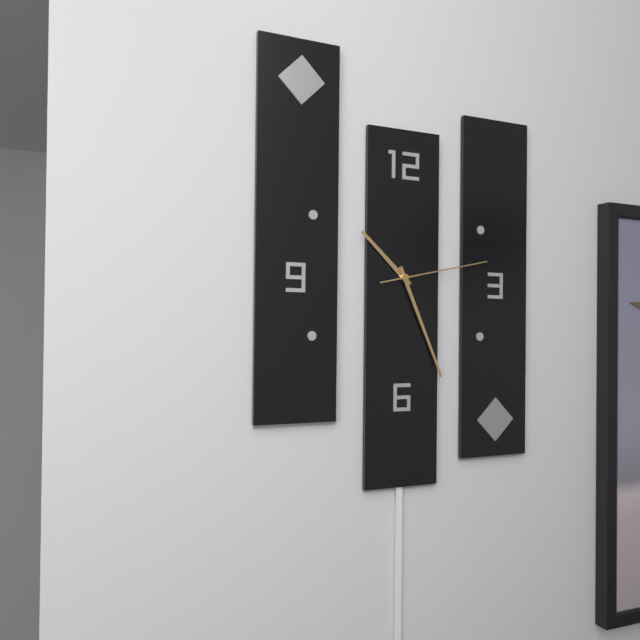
10:26:13
